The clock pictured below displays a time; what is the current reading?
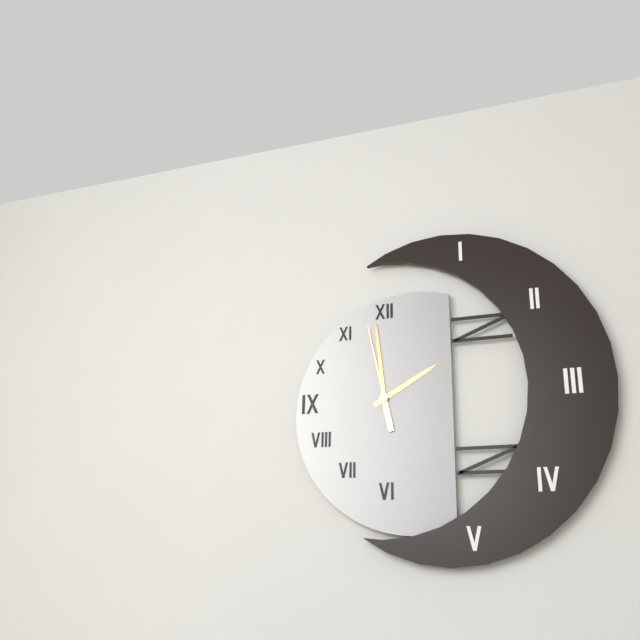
1:59:58
